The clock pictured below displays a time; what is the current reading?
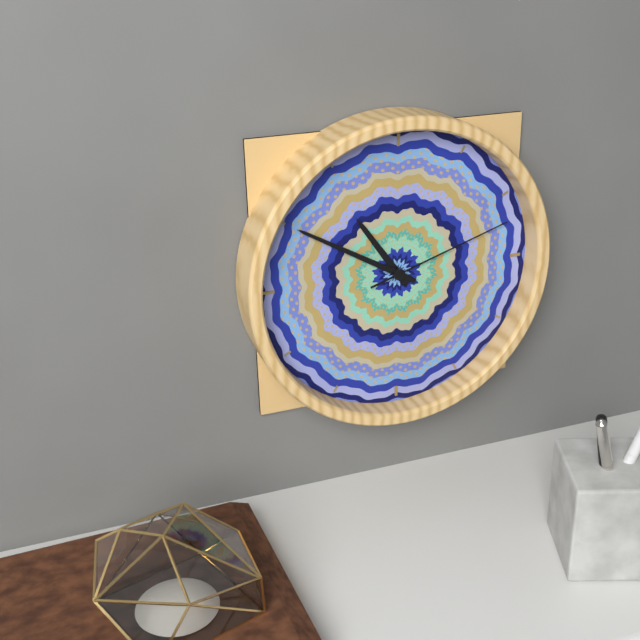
10:50:12
